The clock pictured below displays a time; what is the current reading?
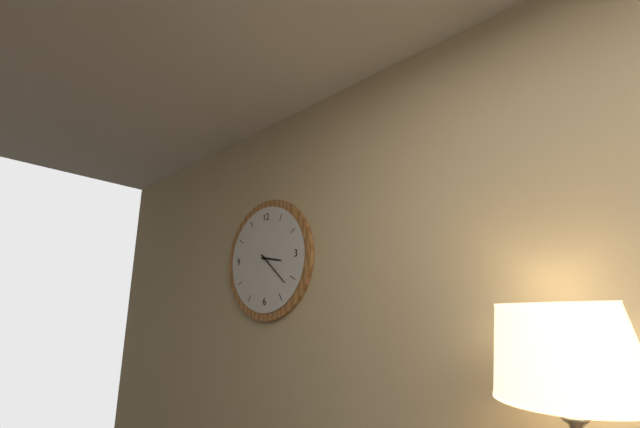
3:22
